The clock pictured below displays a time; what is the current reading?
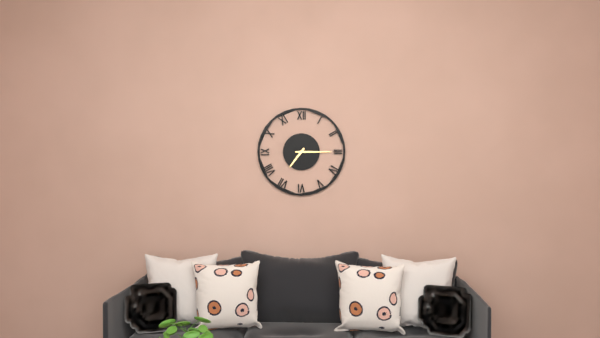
7:15
